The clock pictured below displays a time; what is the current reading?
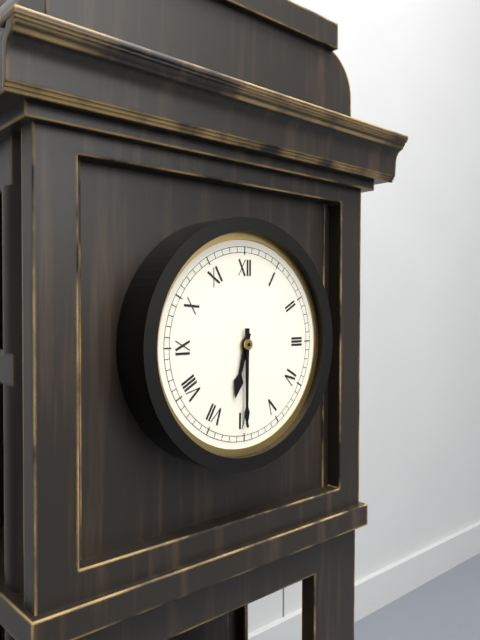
6:30
